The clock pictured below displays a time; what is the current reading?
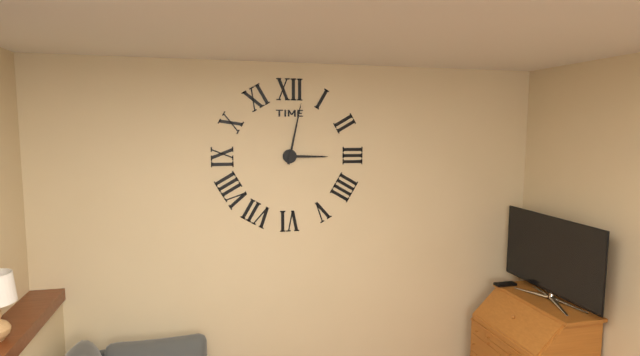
3:02
